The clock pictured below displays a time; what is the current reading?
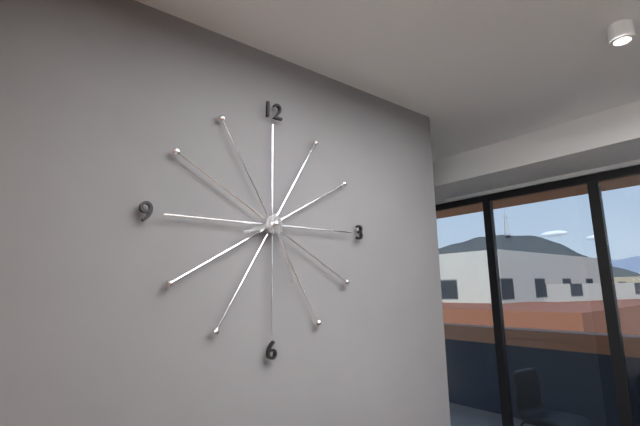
8:27
